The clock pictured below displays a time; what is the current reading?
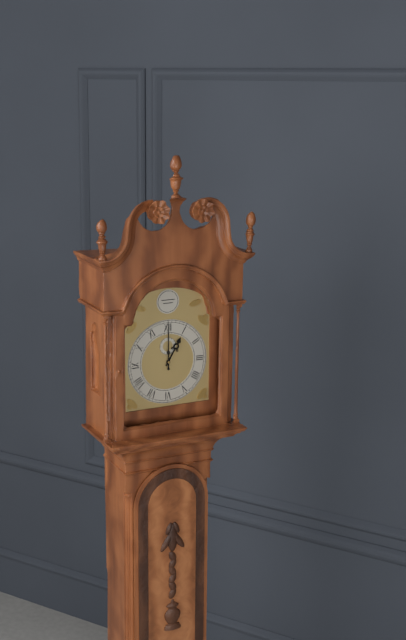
1:00
